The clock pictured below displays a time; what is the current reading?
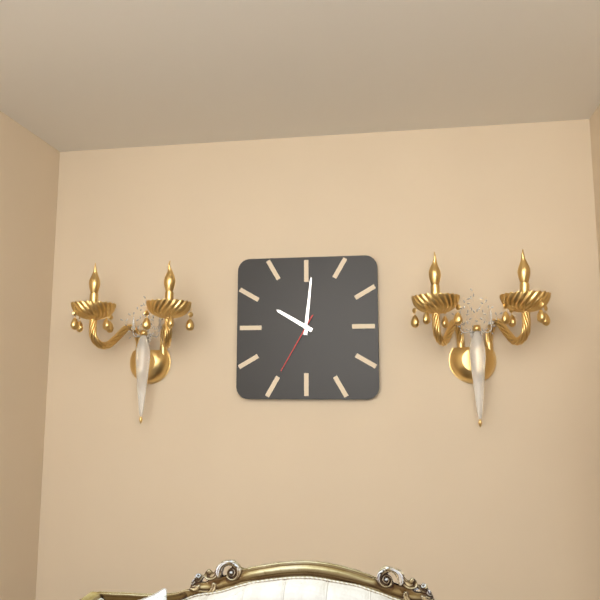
10:01:35
